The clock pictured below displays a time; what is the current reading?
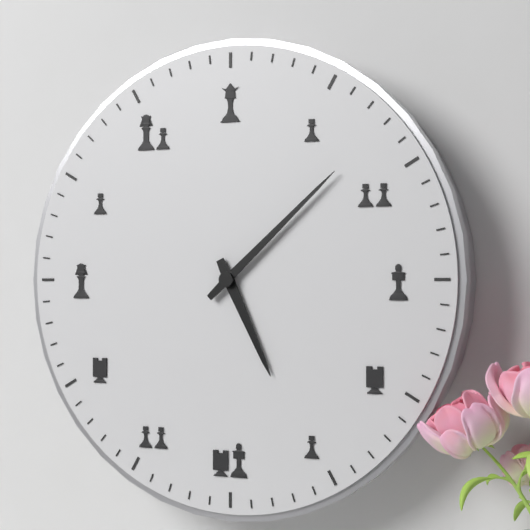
5:08
